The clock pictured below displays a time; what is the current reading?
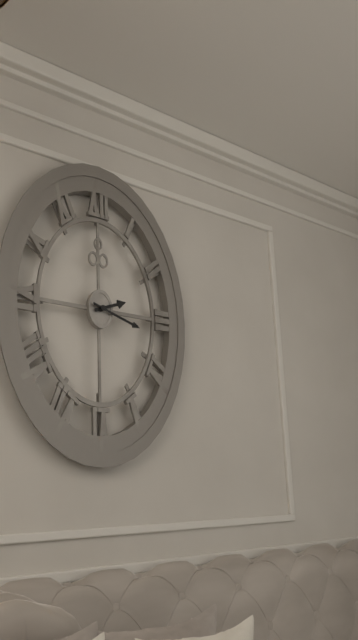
2:18
